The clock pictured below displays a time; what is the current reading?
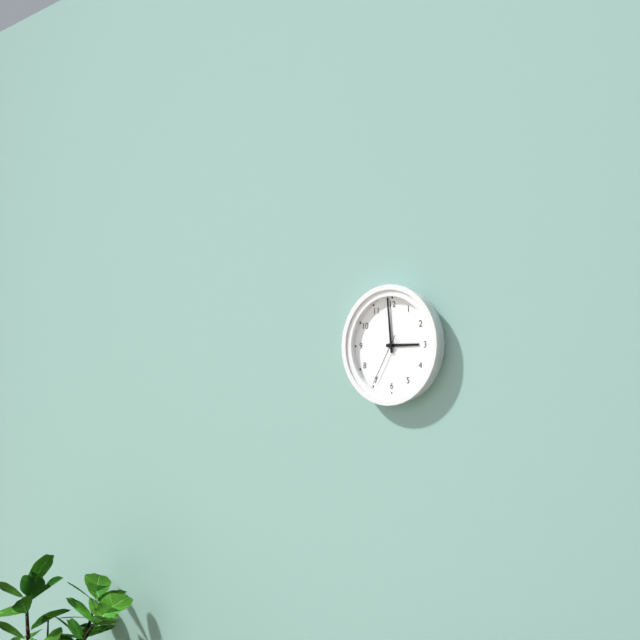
2:59:35
